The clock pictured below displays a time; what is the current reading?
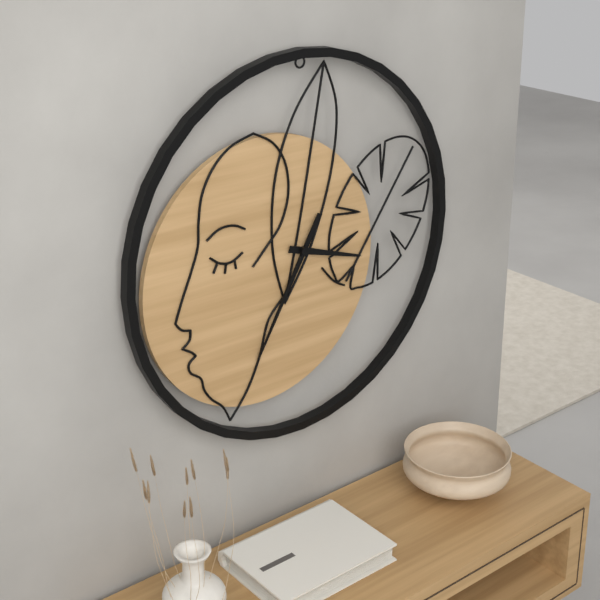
3:35
